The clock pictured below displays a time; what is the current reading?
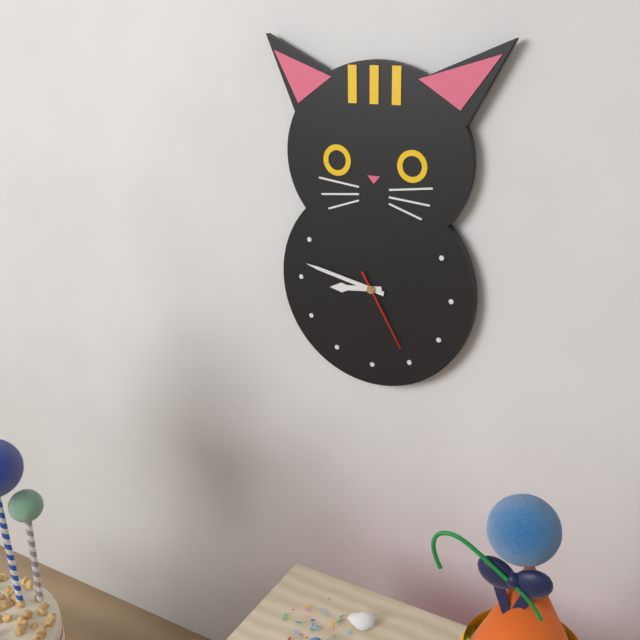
8:47:25
